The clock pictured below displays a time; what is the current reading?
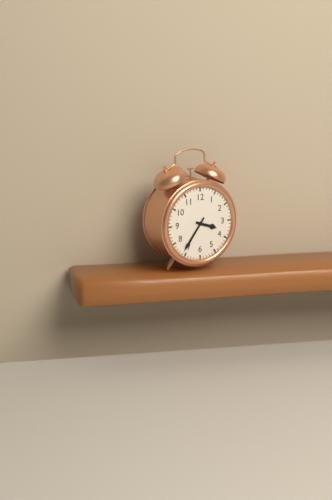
3:36
